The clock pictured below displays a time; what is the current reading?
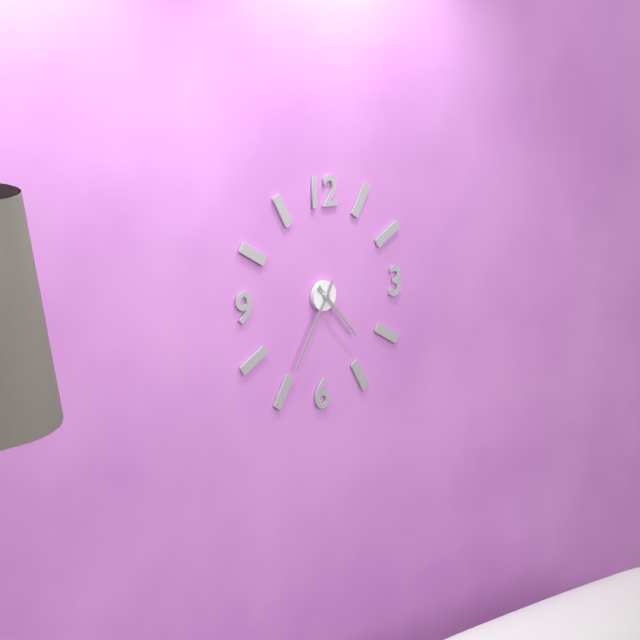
4:35
